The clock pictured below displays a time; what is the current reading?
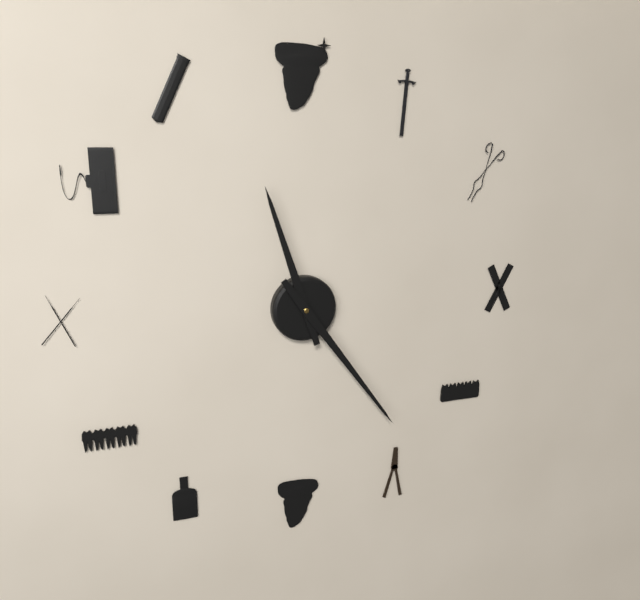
11:24
